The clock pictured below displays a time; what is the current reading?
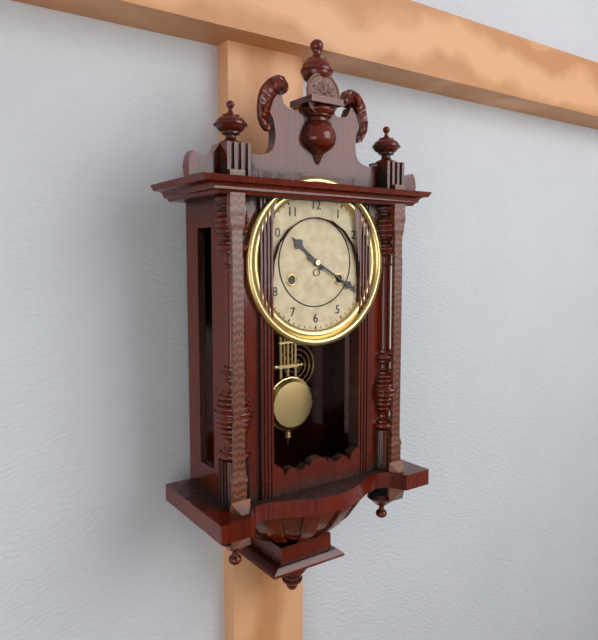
10:20
